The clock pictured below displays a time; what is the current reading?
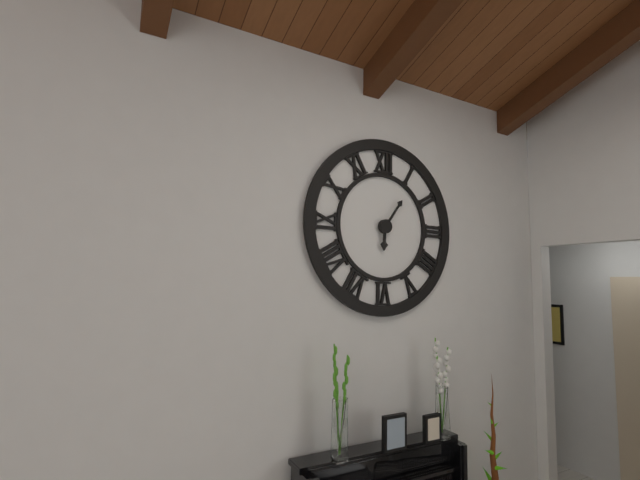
6:06
